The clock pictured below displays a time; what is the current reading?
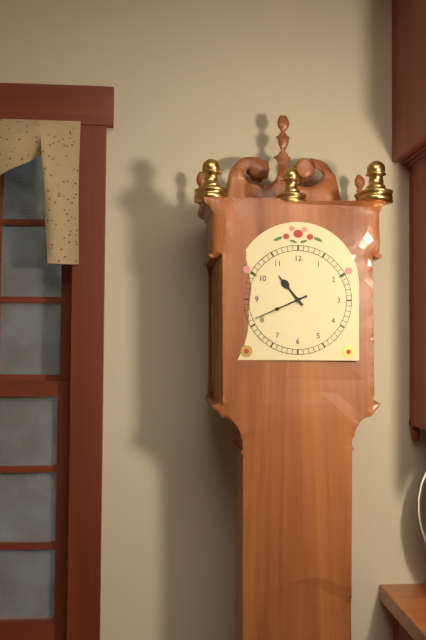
10:41
